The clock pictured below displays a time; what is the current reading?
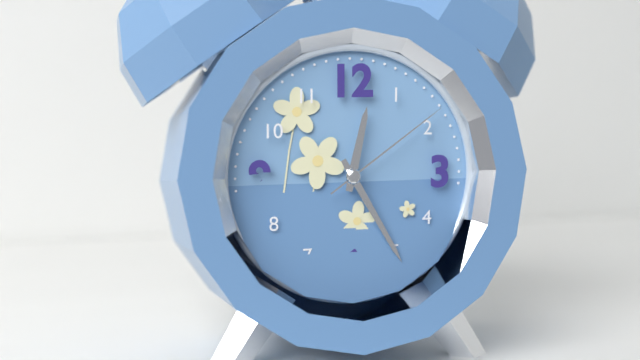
12:25:09
